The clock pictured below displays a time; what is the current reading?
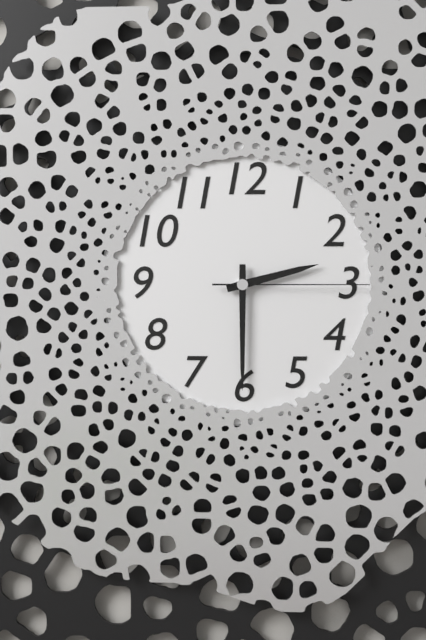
2:30:15
